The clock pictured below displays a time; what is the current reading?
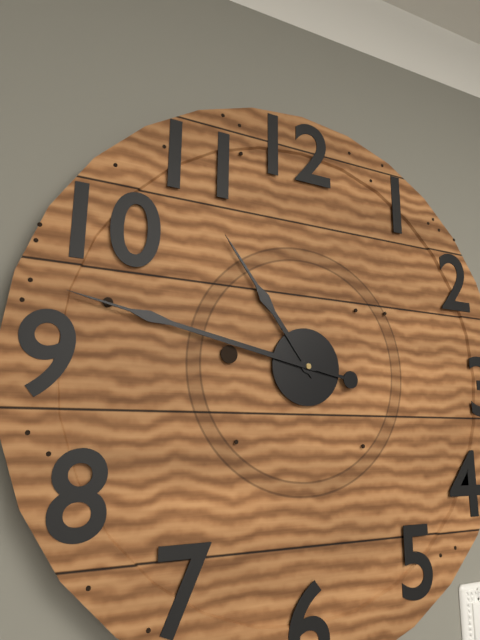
10:47
